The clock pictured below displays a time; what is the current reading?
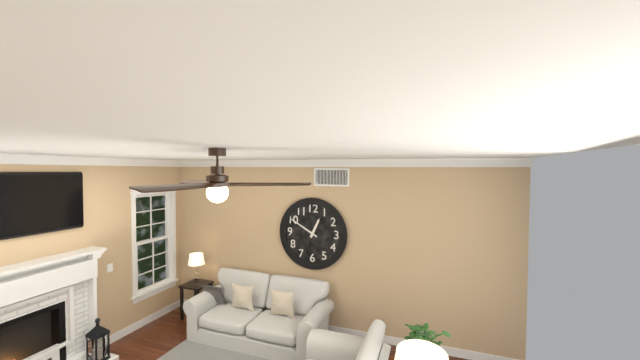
12:50
